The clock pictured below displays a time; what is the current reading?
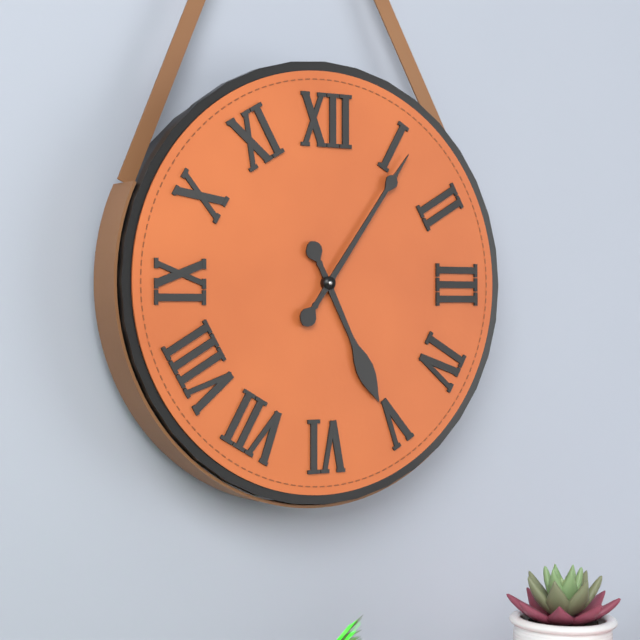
5:06
